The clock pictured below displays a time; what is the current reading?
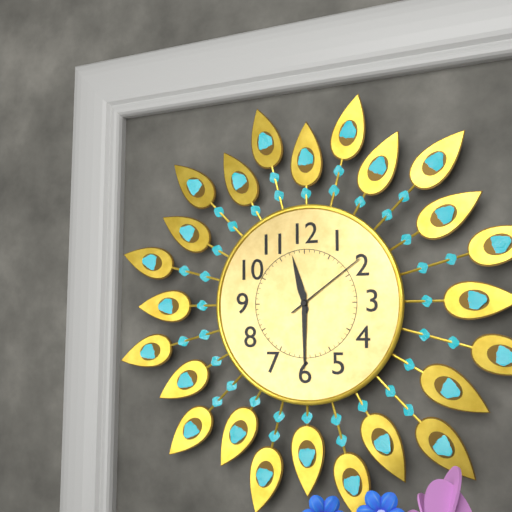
11:30:09
